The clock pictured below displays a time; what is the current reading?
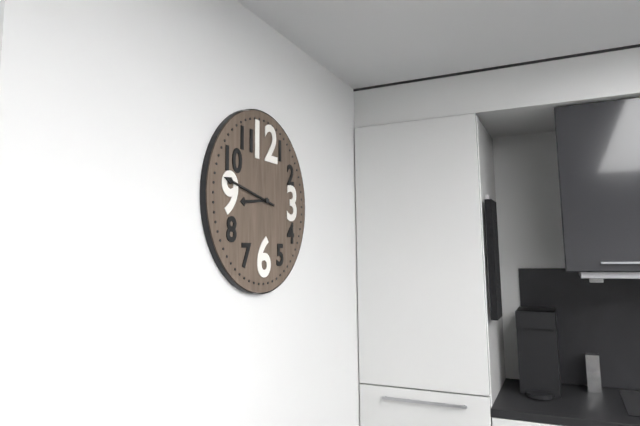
8:47
